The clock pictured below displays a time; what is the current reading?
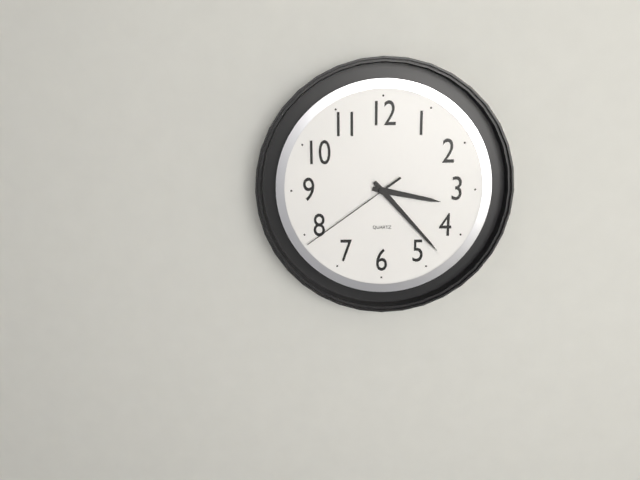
3:23:39
